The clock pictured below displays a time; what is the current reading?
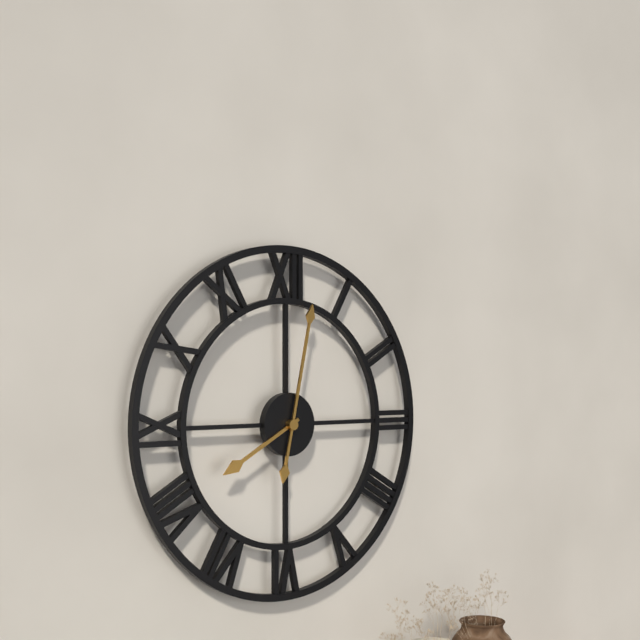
8:02
